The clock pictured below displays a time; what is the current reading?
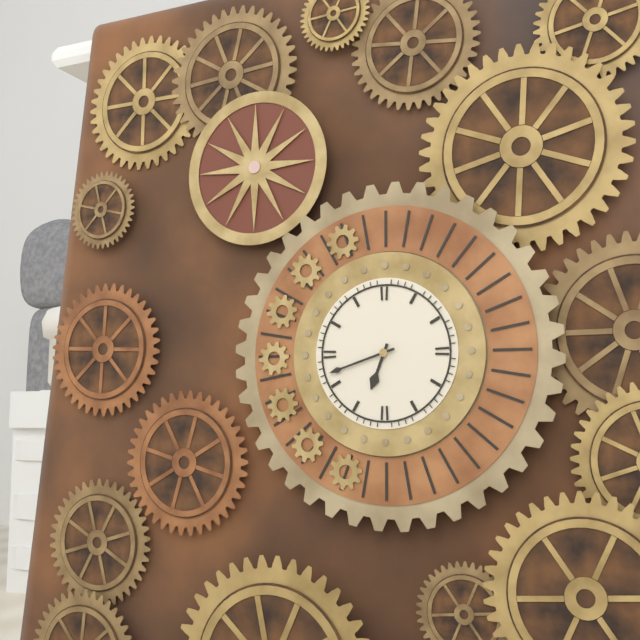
6:42
